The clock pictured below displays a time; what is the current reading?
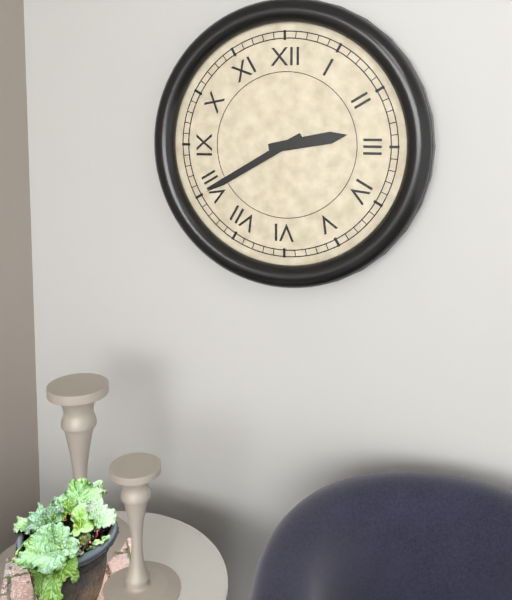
2:40
